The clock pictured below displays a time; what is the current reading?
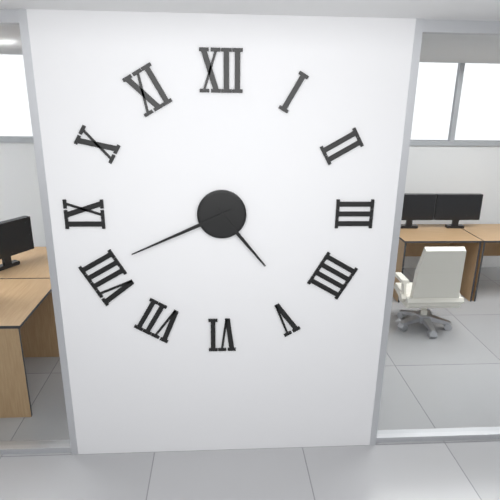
4:41
